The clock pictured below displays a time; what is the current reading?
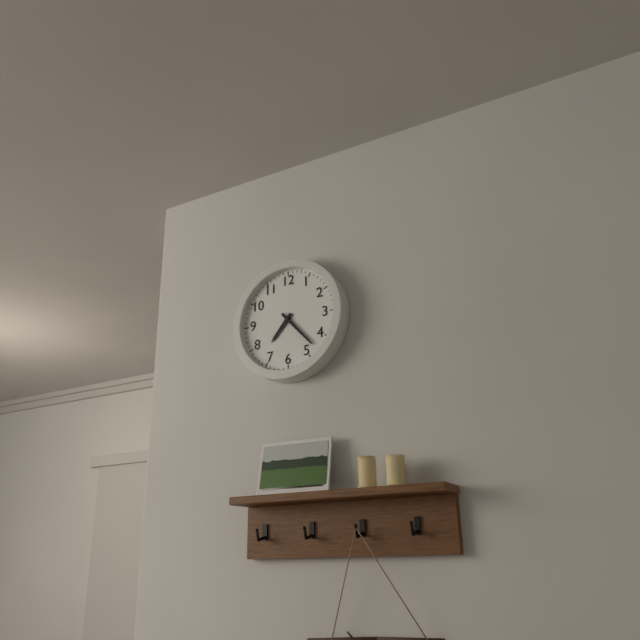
7:23
